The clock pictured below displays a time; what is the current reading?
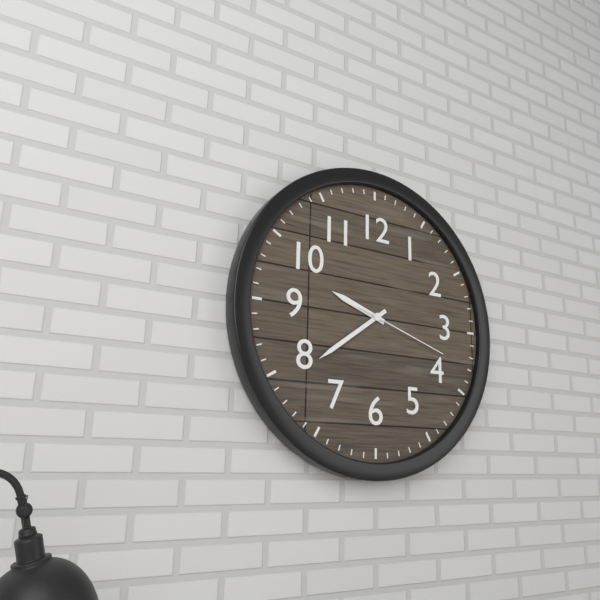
9:39:18
